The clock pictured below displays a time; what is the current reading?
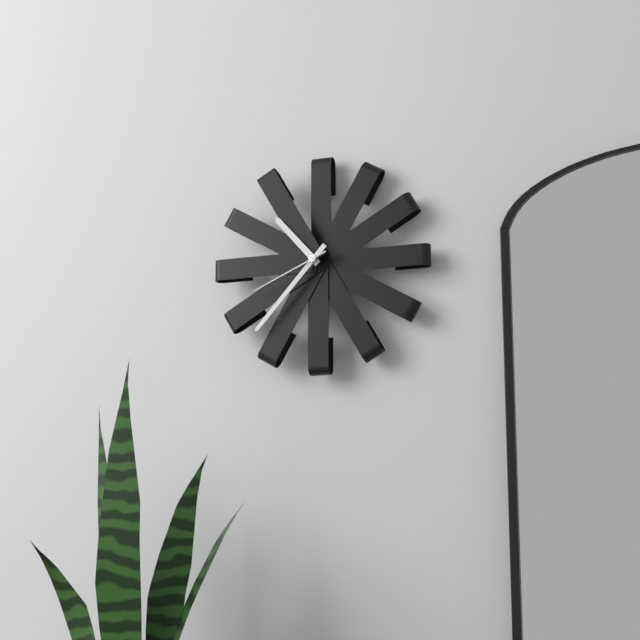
10:37:41
